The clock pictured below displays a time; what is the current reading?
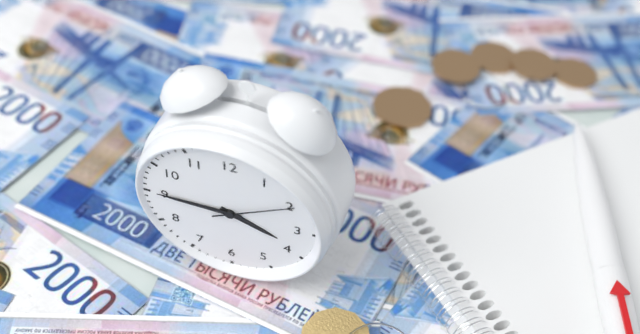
3:45:10
